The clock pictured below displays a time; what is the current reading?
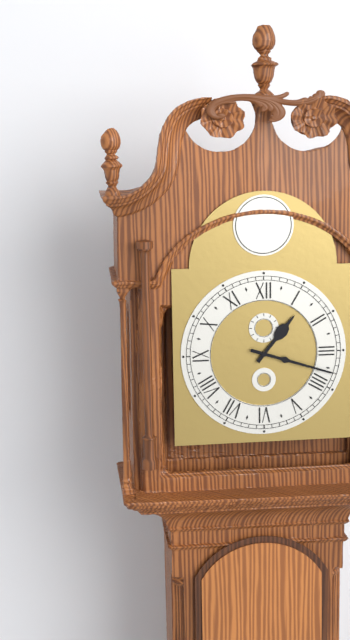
1:18
